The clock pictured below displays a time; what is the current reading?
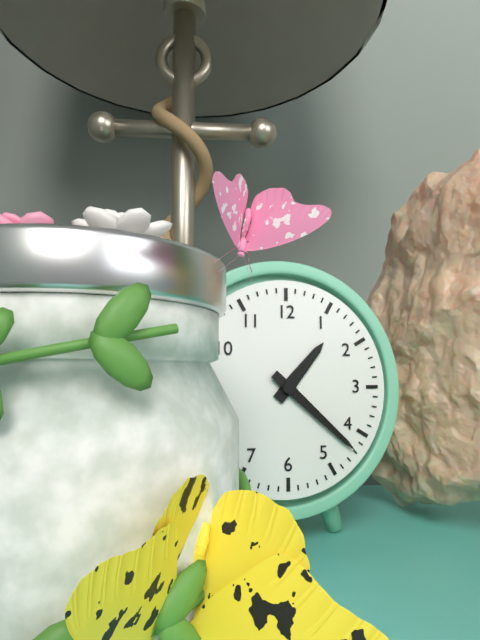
1:22
